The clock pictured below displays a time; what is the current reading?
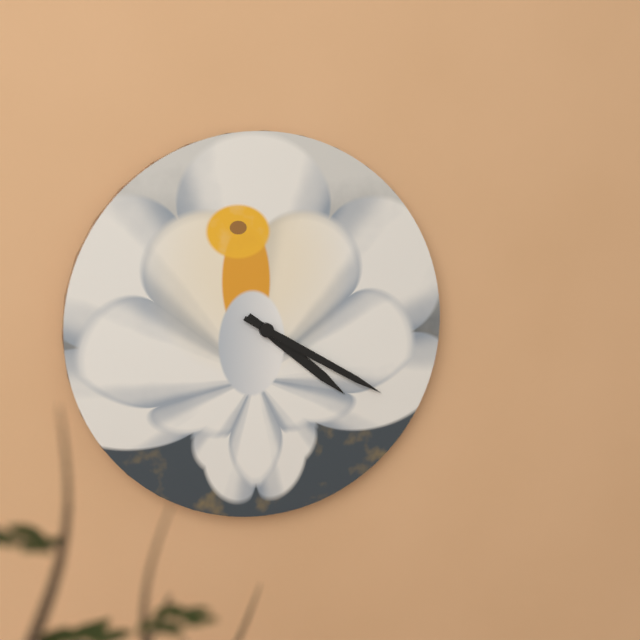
4:20
